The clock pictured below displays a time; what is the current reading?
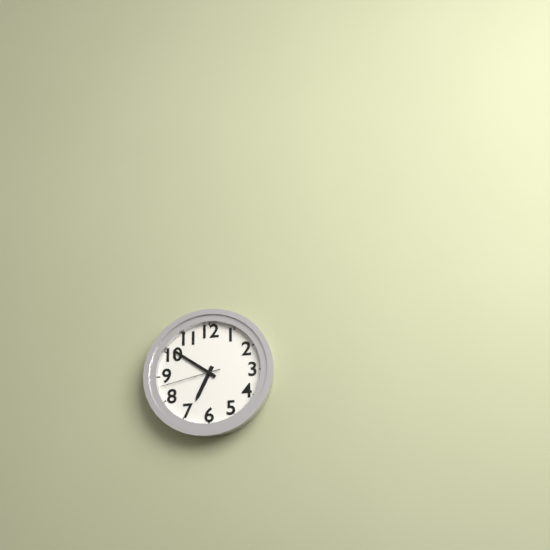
6:51:43
